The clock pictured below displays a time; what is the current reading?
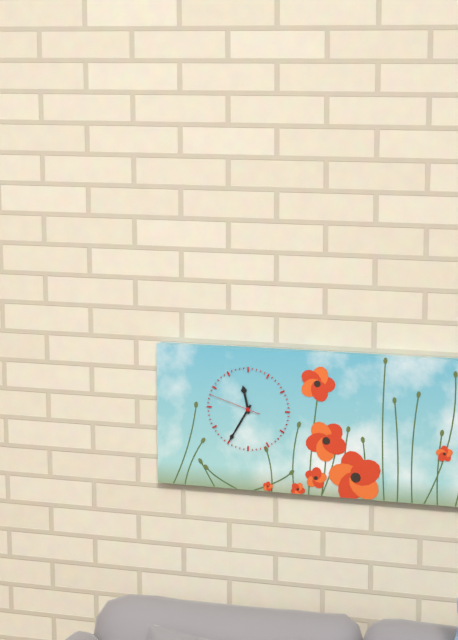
11:35:48
